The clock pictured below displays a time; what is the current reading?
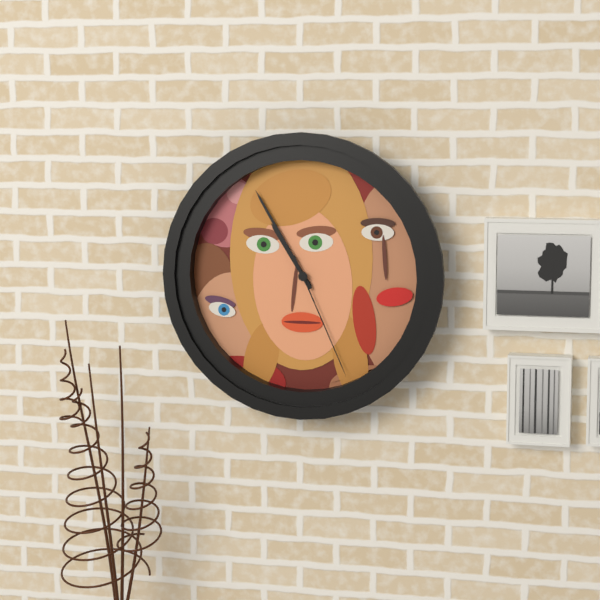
10:55:26
